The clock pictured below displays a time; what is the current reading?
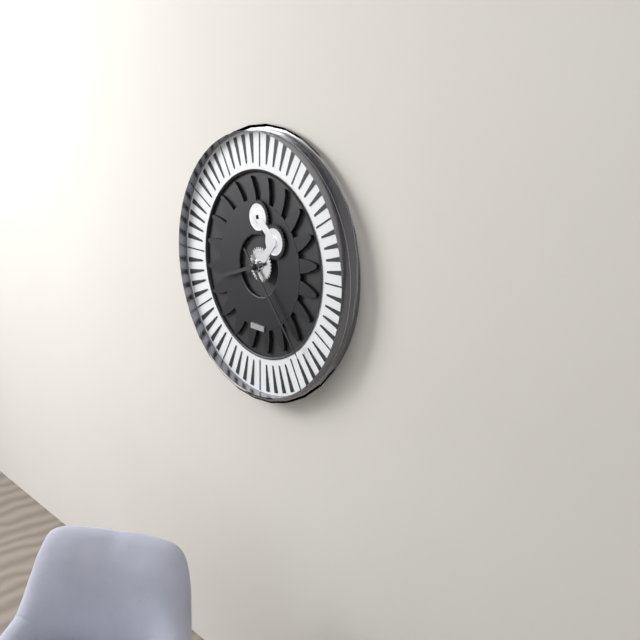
8:23
